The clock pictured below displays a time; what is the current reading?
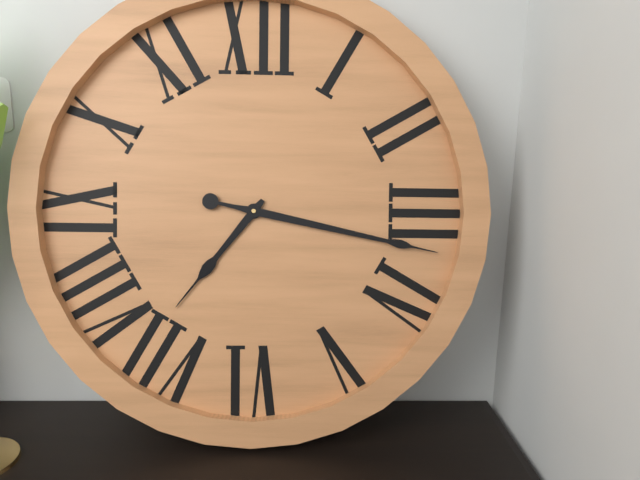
7:17
